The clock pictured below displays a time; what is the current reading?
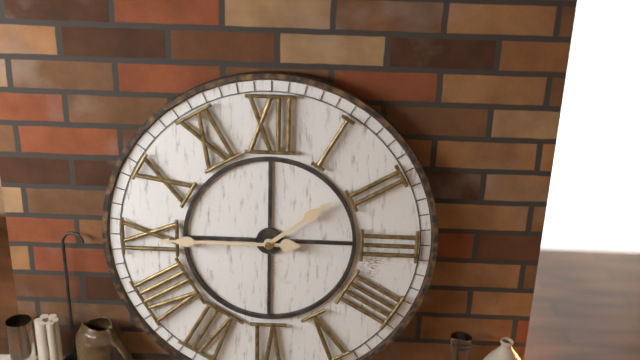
1:45
